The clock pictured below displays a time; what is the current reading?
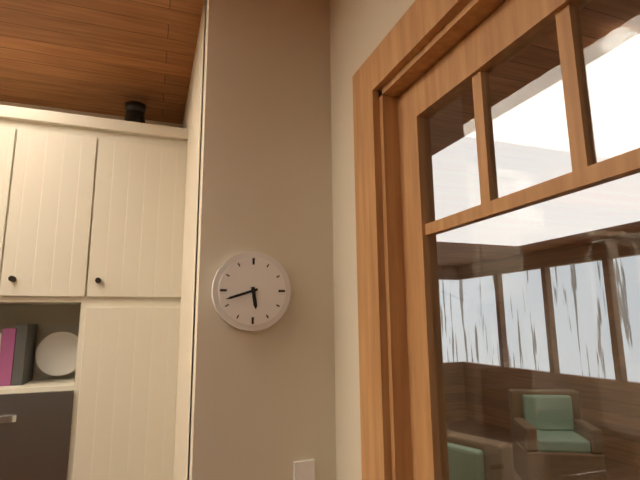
5:42
